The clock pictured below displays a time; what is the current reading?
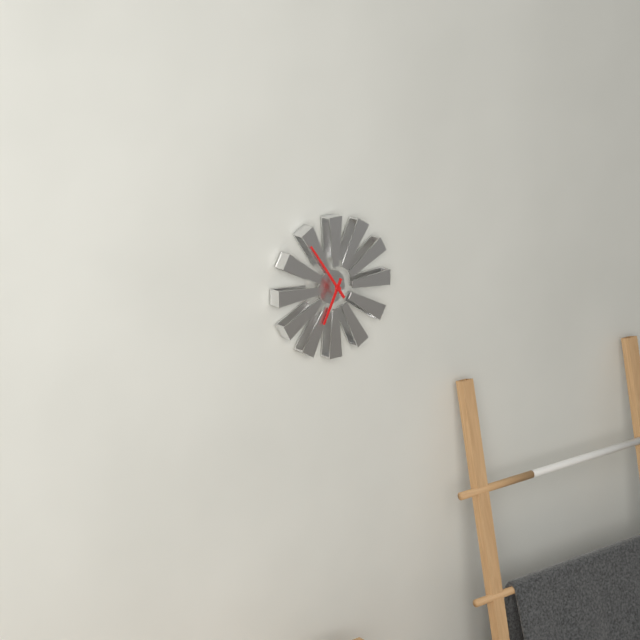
6:54
